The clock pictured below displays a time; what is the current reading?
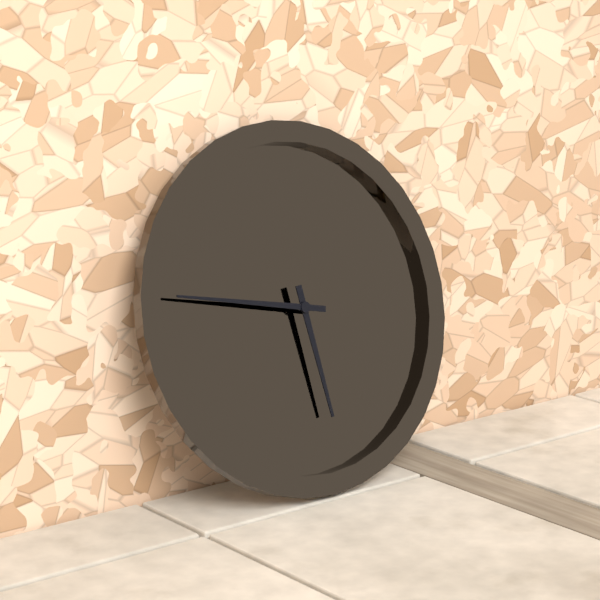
5:47
